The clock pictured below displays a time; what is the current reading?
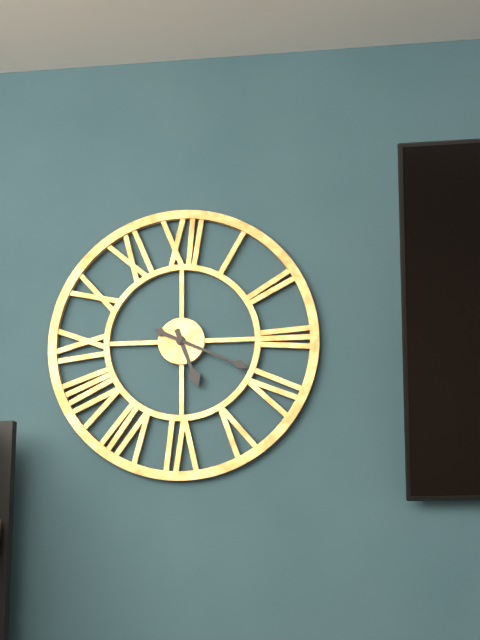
5:19
